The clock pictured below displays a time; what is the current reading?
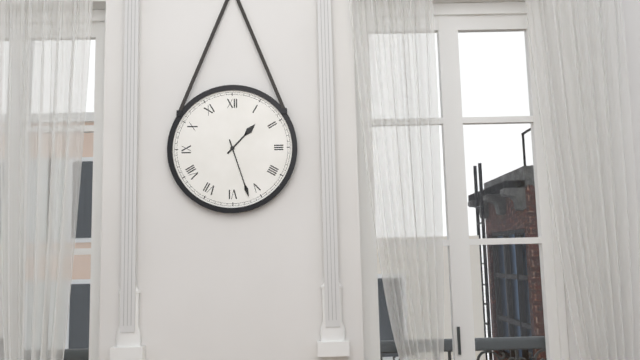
1:27
